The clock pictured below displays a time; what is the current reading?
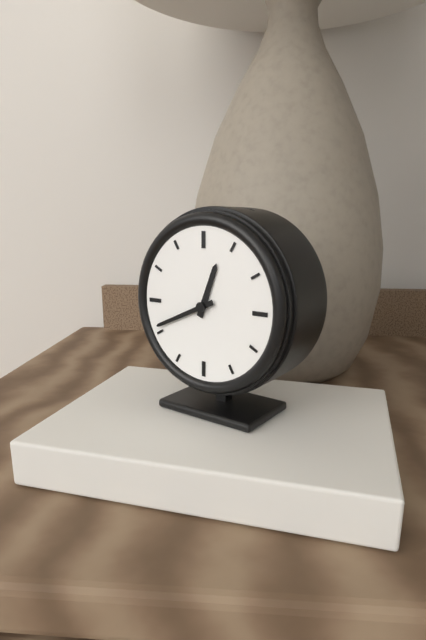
12:41
